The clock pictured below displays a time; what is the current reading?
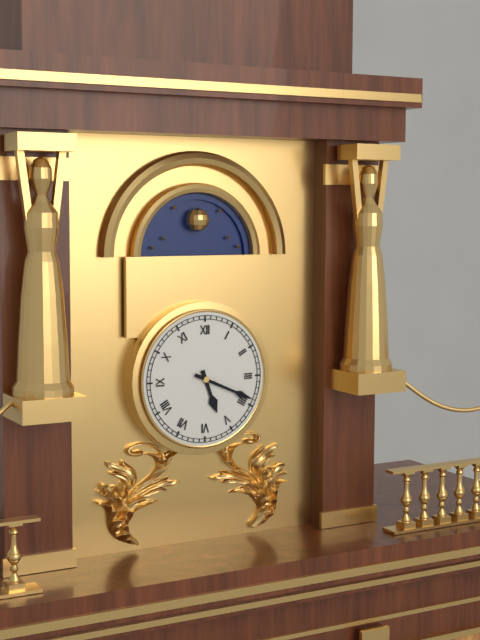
5:19
